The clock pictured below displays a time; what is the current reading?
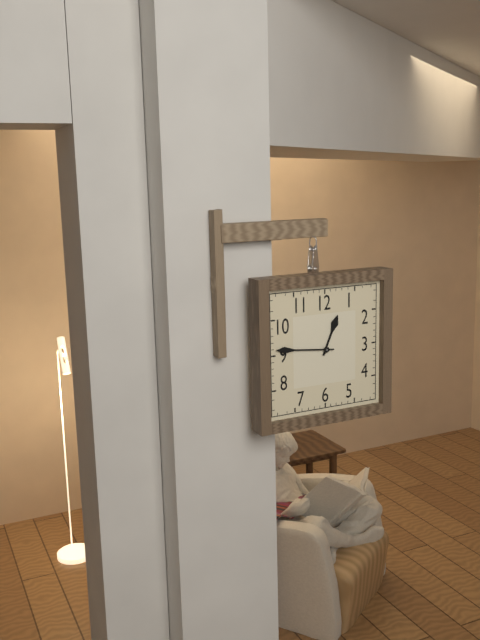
12:46
